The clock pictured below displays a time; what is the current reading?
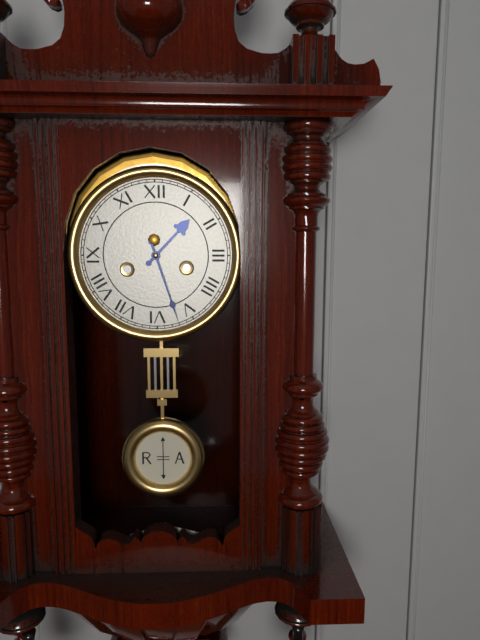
1:27
